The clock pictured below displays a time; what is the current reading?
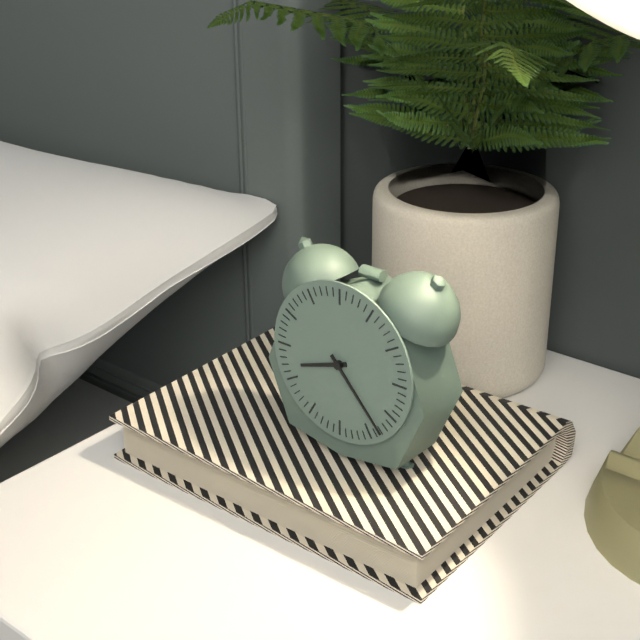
8:23
